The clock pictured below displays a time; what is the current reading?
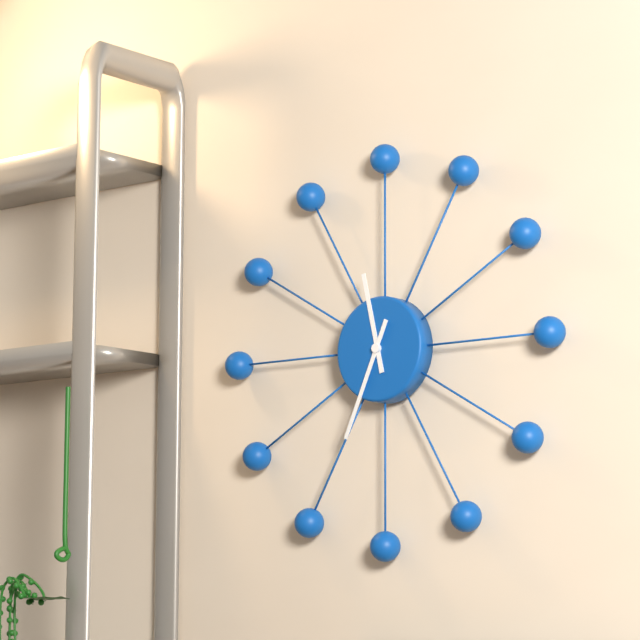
11:34
